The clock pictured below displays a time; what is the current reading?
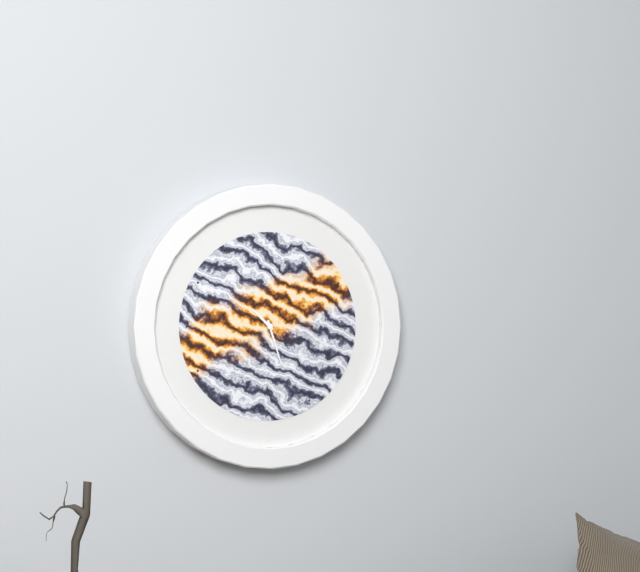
10:27
